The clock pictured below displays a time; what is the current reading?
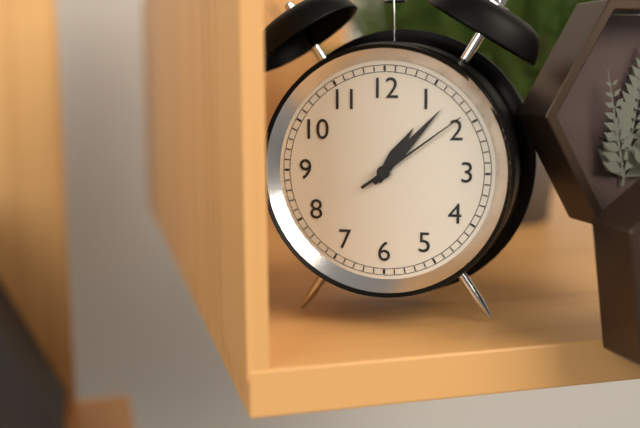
1:07:09
